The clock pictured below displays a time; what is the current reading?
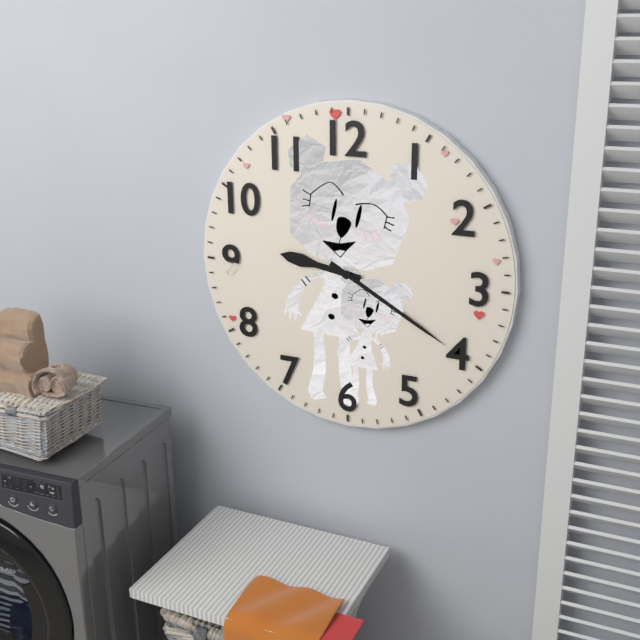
9:20
